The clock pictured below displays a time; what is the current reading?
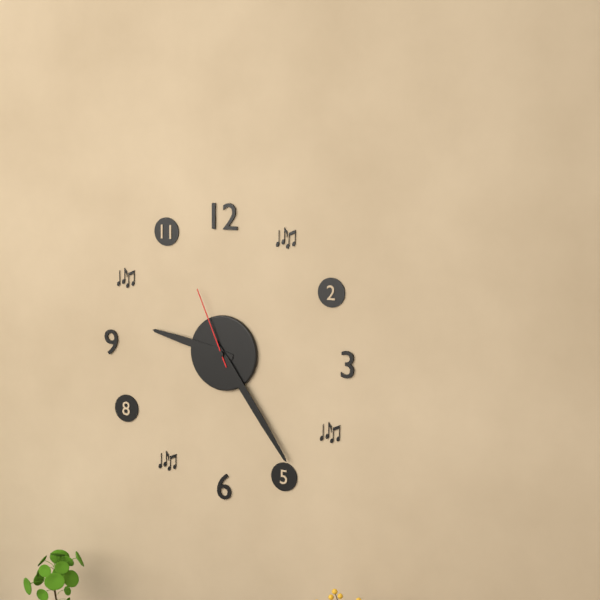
9:24:56
